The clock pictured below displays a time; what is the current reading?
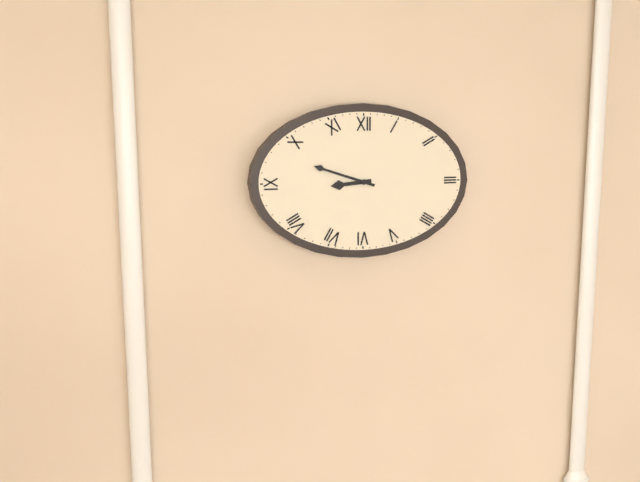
8:48
